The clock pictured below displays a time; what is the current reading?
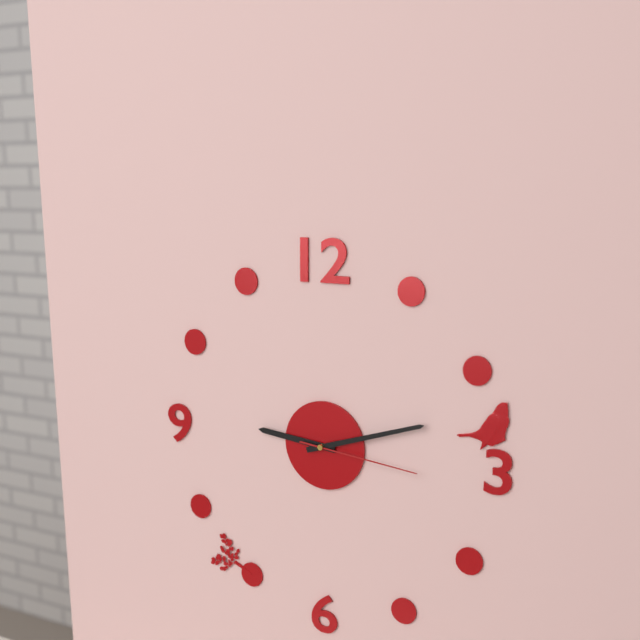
9:12:16
